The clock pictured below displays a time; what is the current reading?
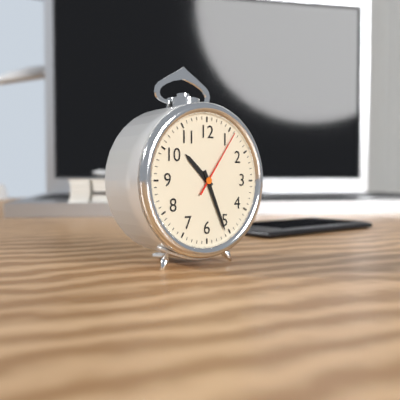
10:26:06
